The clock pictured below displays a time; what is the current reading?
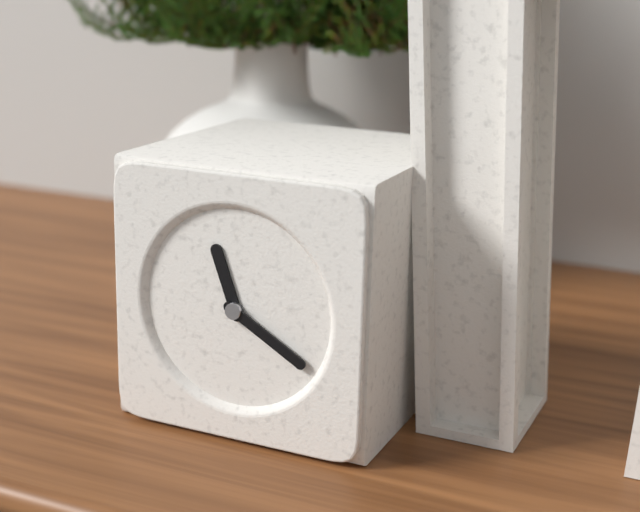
11:20
